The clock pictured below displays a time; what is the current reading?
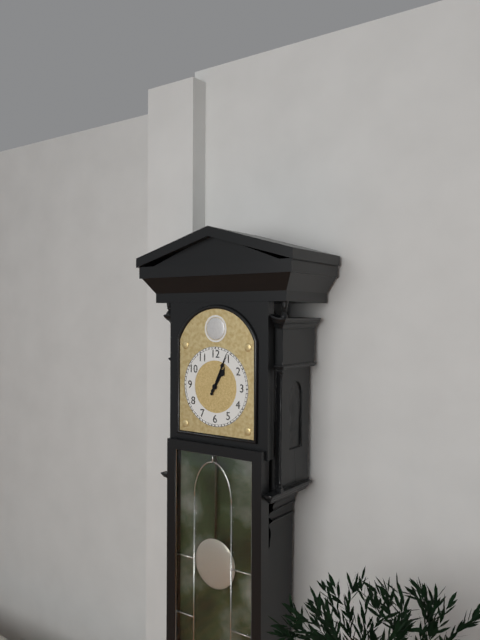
1:04
